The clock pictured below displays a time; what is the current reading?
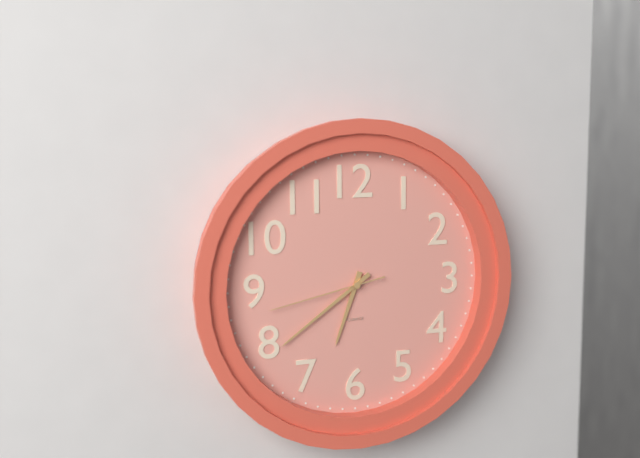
6:39:43
